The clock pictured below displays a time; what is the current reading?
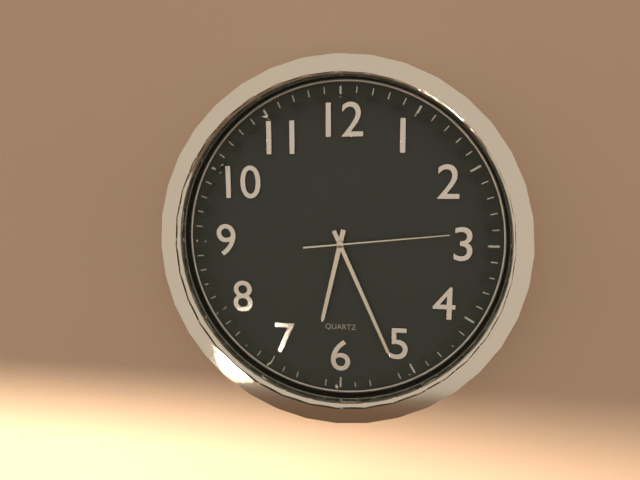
6:26:14
